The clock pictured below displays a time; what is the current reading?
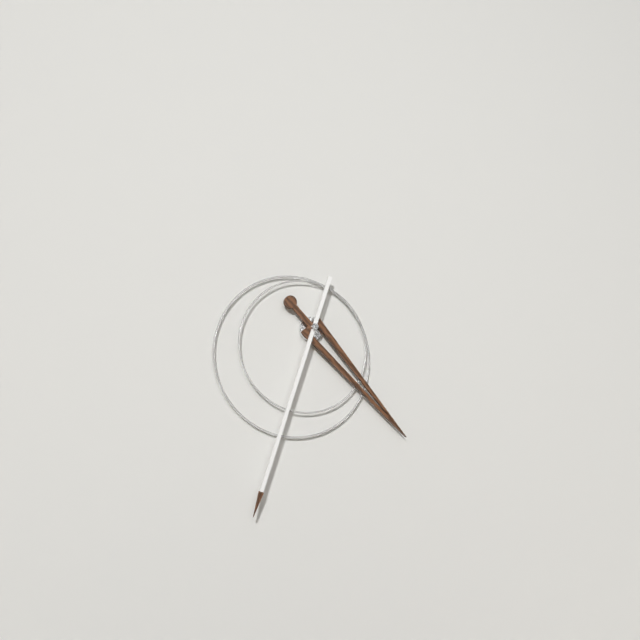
4:33
